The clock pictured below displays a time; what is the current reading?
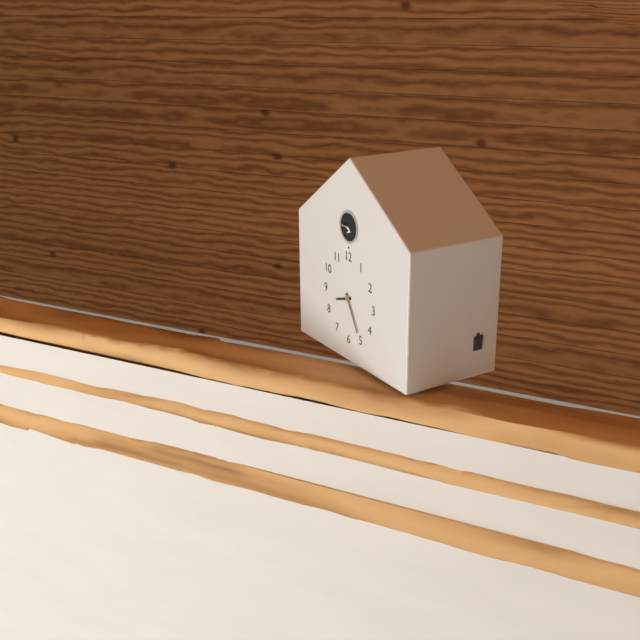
8:25
